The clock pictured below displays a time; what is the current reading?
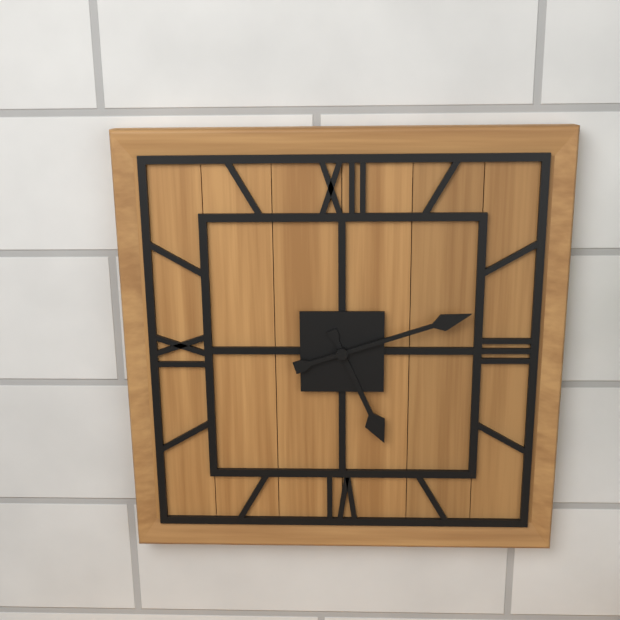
5:12
